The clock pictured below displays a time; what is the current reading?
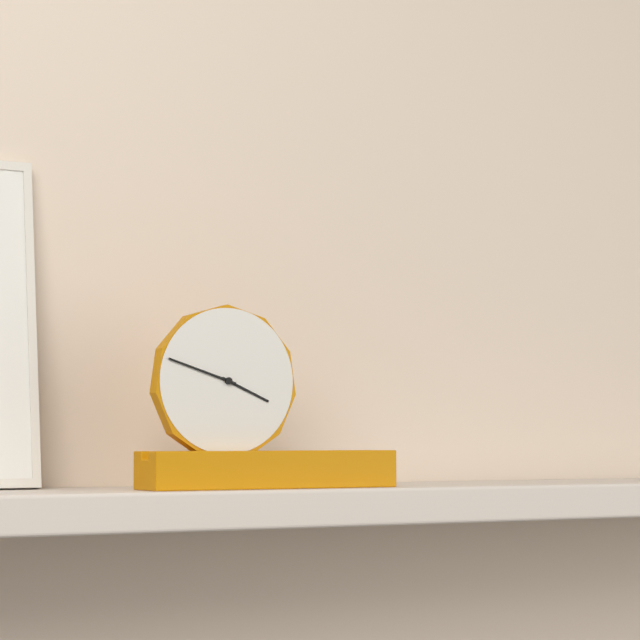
3:48
